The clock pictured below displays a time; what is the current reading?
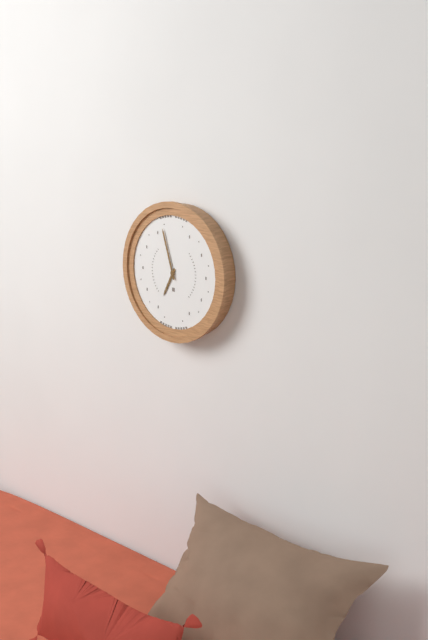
6:57
